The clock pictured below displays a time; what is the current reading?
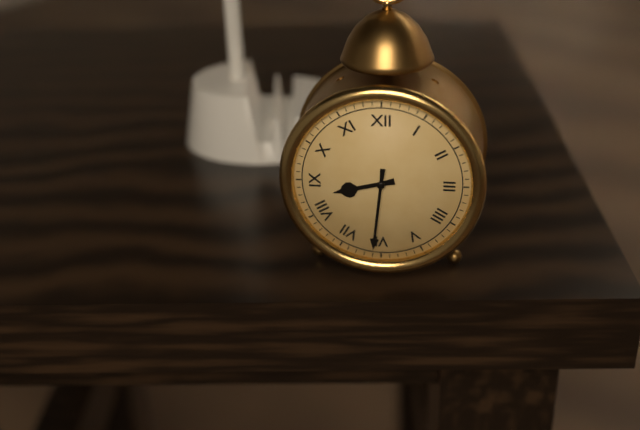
8:31
